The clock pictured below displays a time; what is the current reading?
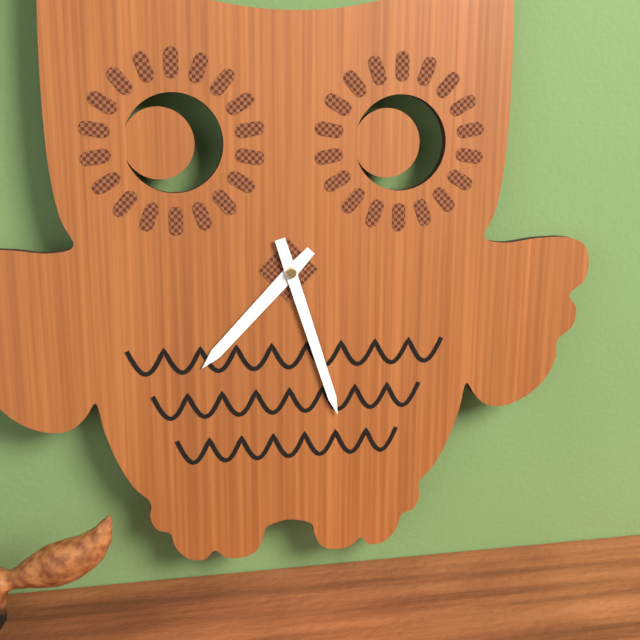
7:27
